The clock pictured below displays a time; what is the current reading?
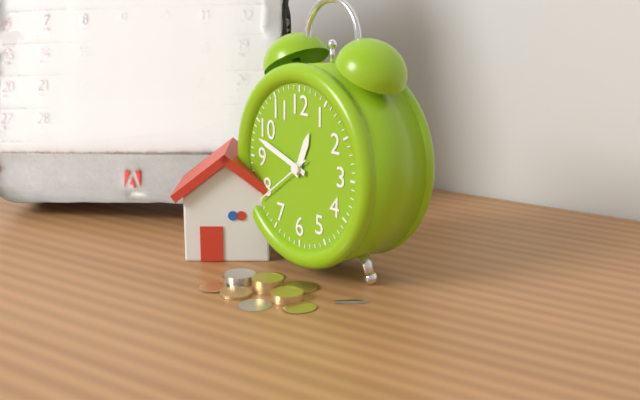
12:48:39
